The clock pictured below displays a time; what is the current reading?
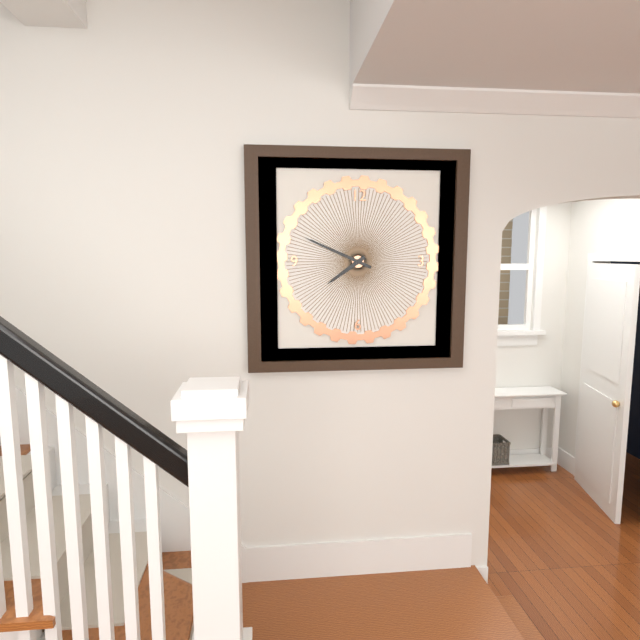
7:49
